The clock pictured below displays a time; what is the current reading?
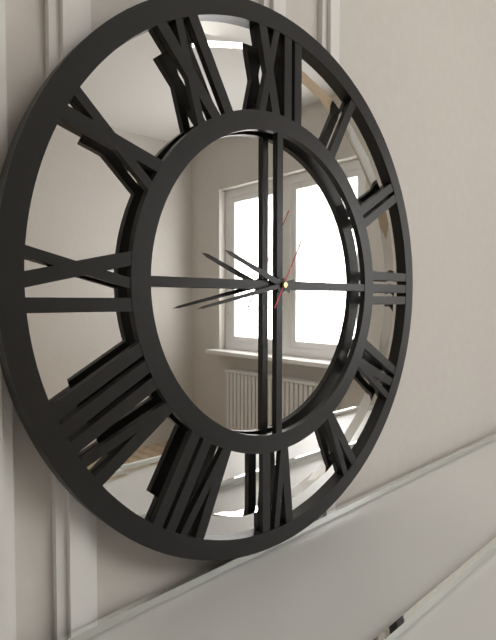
9:43:05
